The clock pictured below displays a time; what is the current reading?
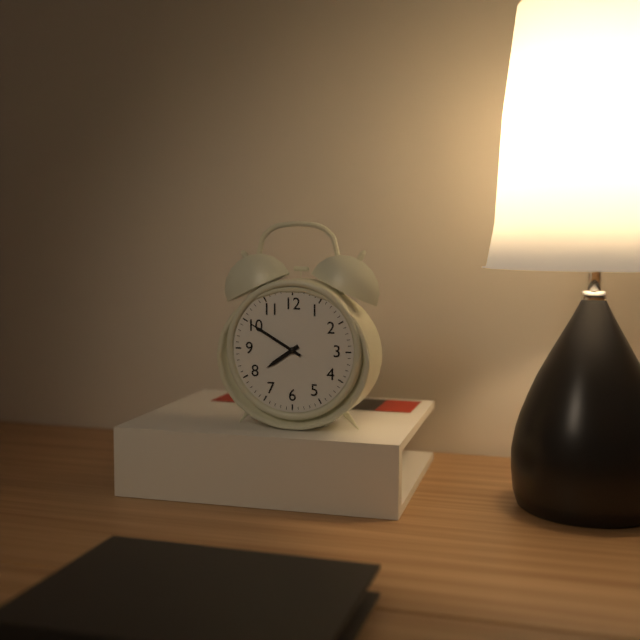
7:50
